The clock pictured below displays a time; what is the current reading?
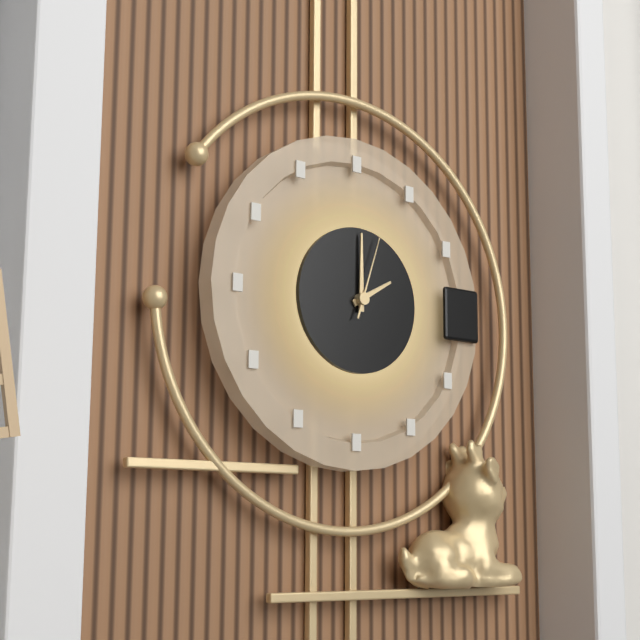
2:00:03
